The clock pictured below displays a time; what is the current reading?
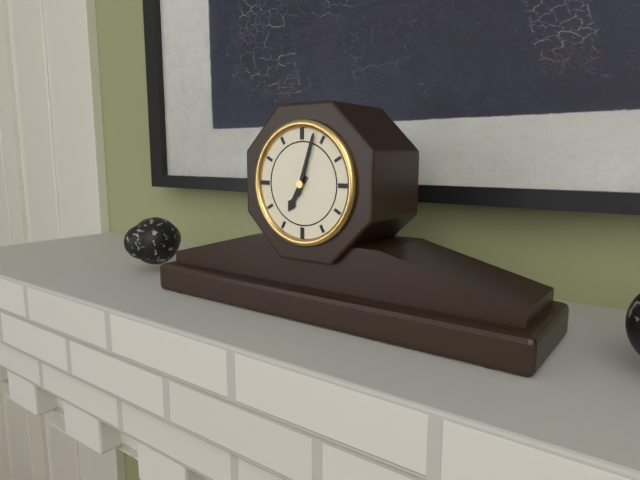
7:03
